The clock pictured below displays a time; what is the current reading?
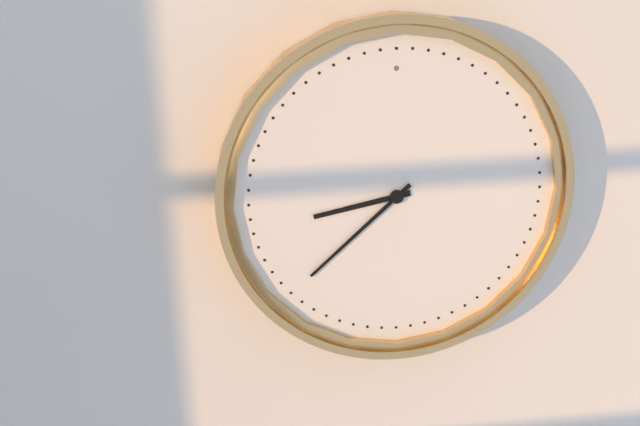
8:38
